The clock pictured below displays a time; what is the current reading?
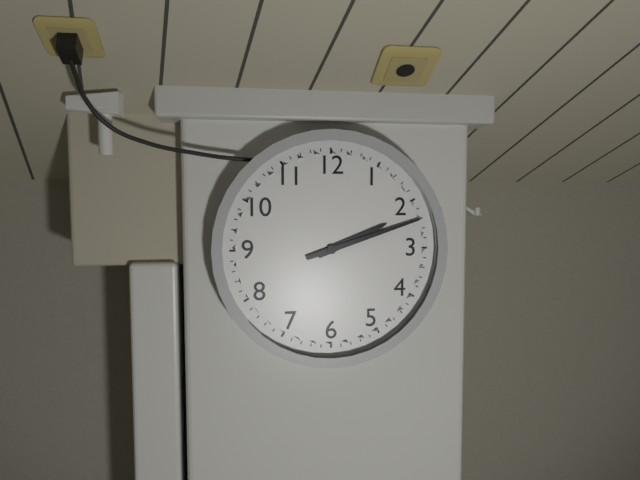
2:12
